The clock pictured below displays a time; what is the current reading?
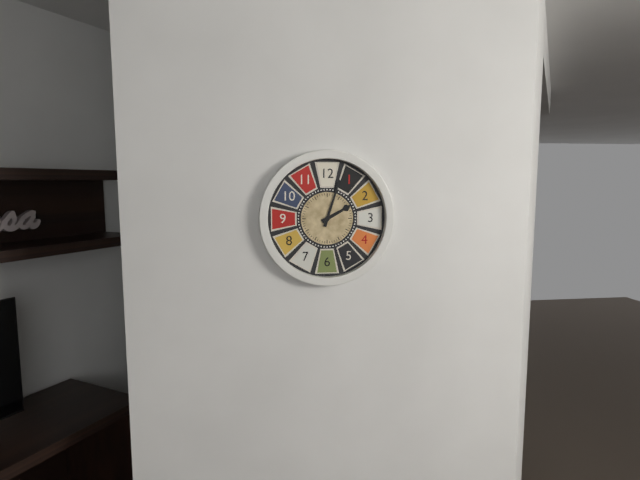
2:03
